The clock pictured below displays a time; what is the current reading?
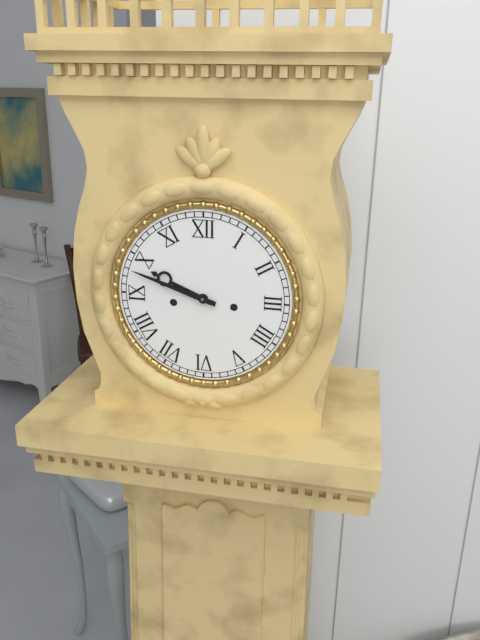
9:48
